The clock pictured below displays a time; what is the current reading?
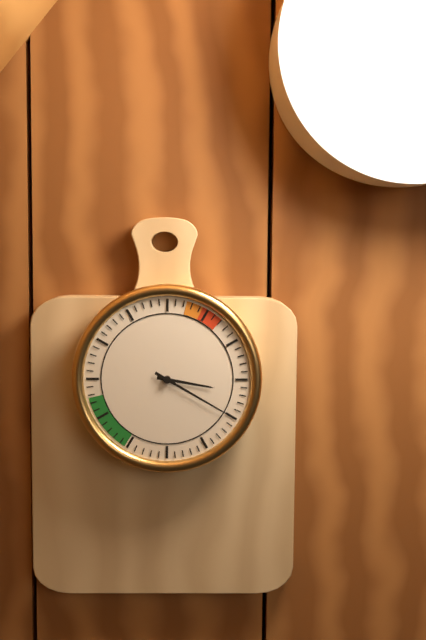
3:20
